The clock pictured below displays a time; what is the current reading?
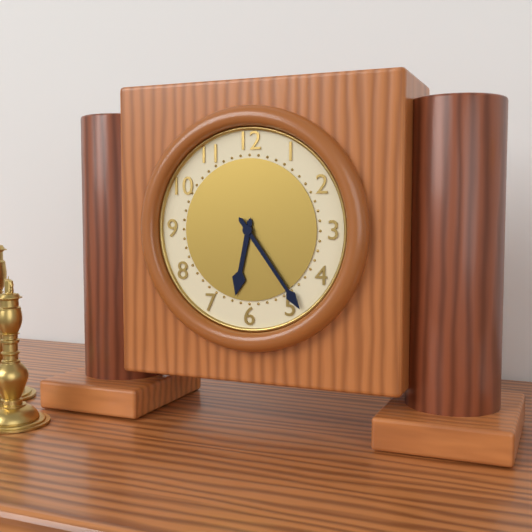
6:24
